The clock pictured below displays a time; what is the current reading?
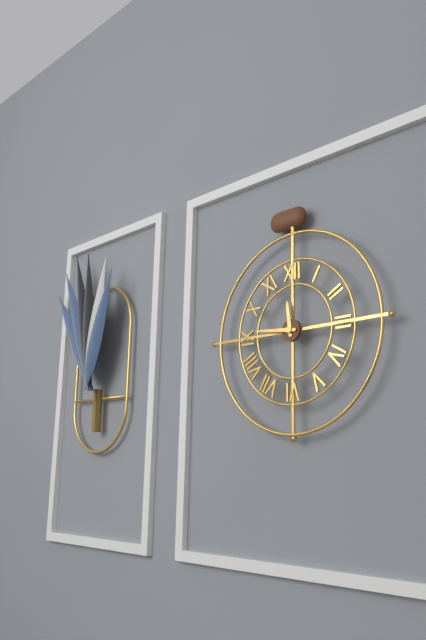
11:46
